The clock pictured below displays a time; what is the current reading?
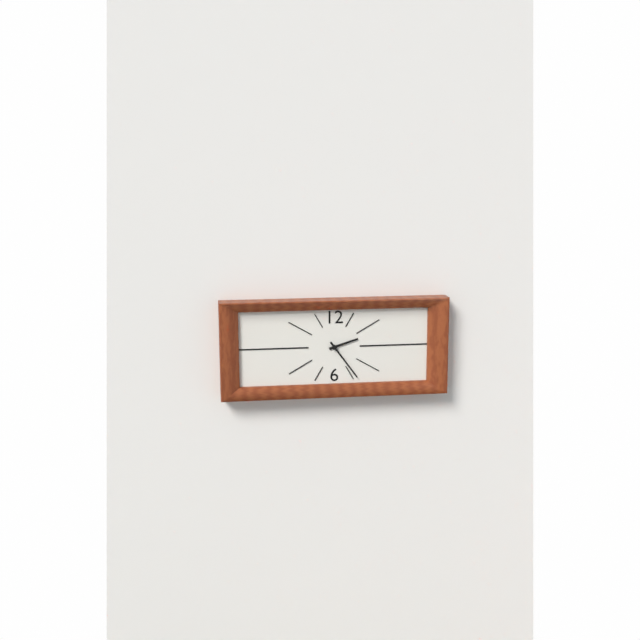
2:24
